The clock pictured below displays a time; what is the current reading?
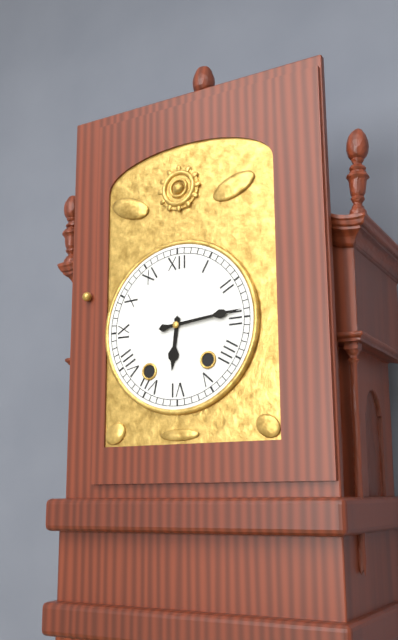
6:14
